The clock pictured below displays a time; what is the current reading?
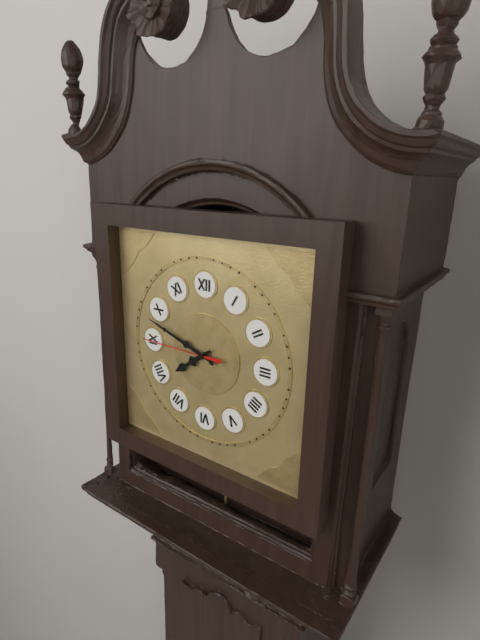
7:48:45
